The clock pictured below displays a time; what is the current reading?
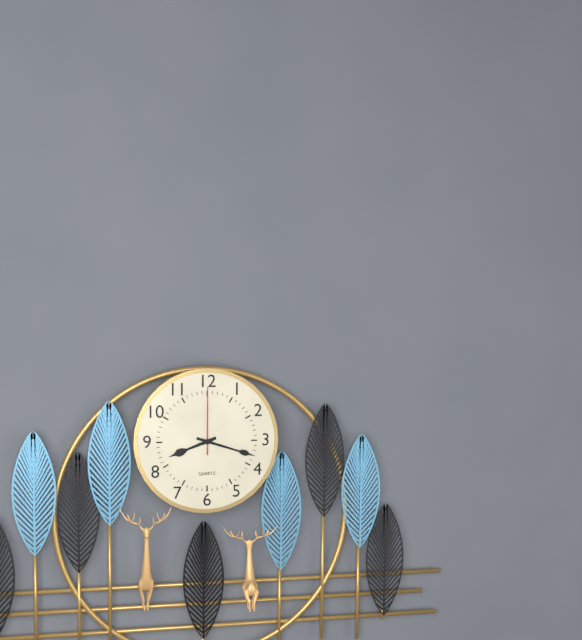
8:18:00
